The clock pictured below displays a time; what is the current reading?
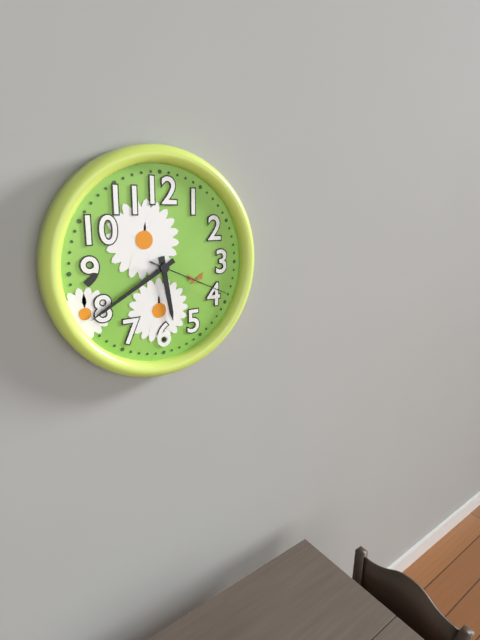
5:40:19
